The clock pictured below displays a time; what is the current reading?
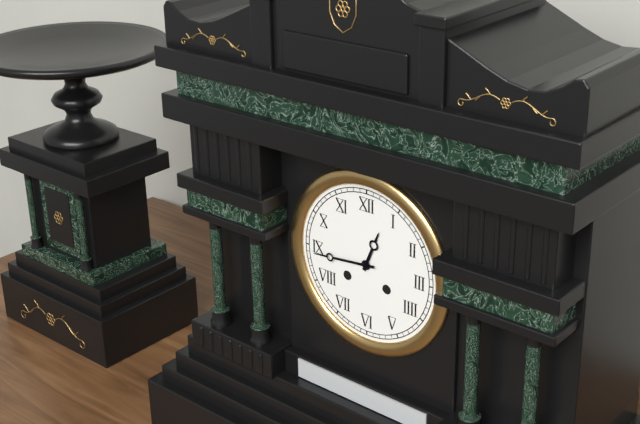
12:44
